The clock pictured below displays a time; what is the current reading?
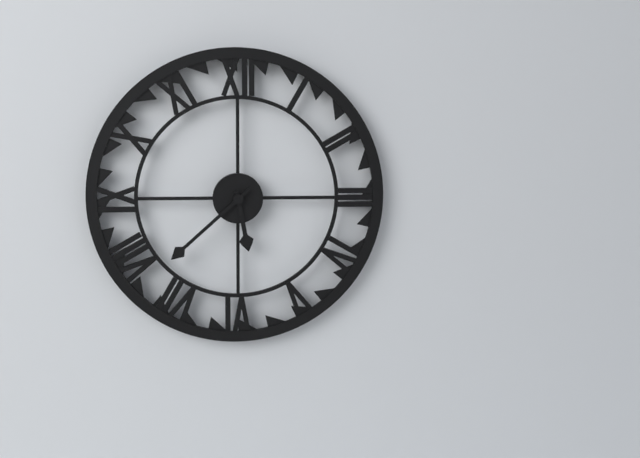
5:38
